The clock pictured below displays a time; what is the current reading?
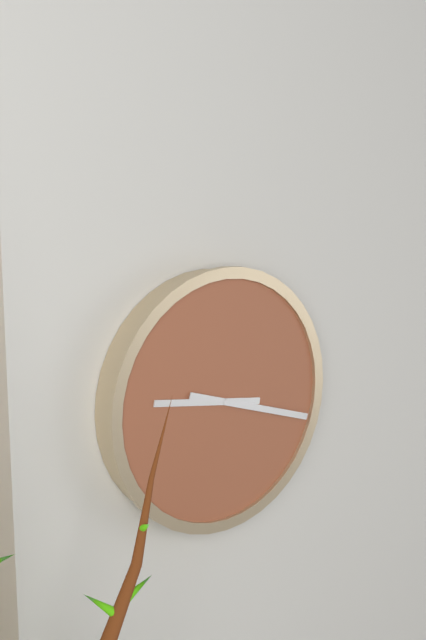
9:18
